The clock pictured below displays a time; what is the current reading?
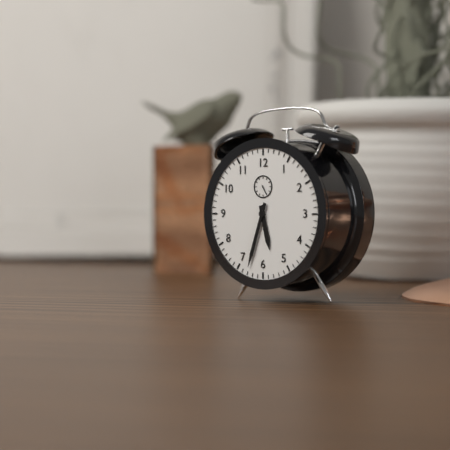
5:33
